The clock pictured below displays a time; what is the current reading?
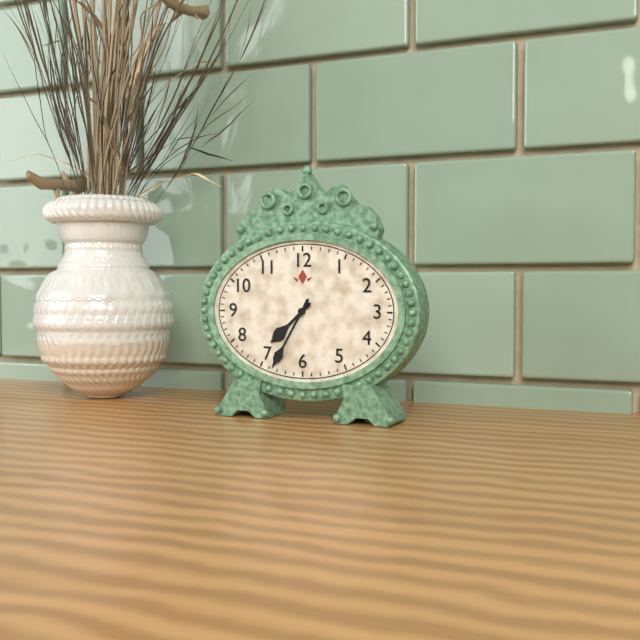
7:35
